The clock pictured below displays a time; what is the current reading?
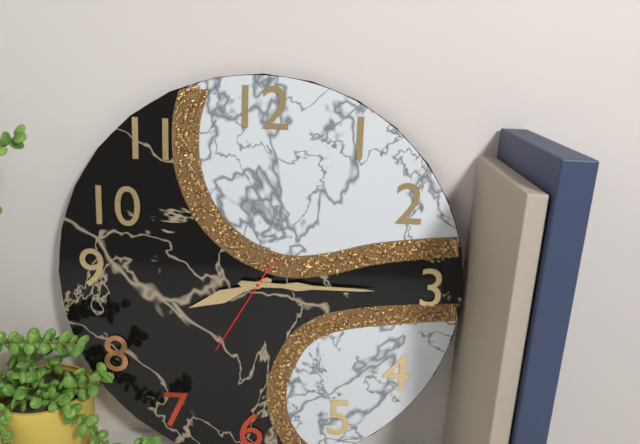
8:15:35
